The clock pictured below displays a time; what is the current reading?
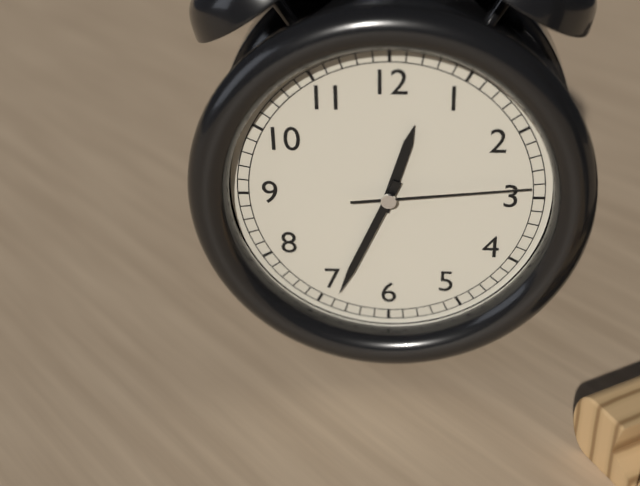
12:34:14
